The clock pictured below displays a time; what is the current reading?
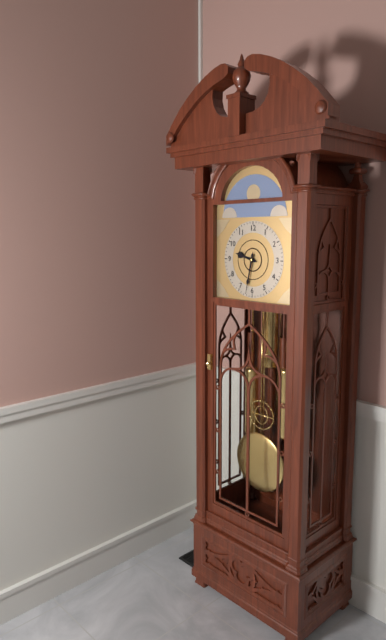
9:32
